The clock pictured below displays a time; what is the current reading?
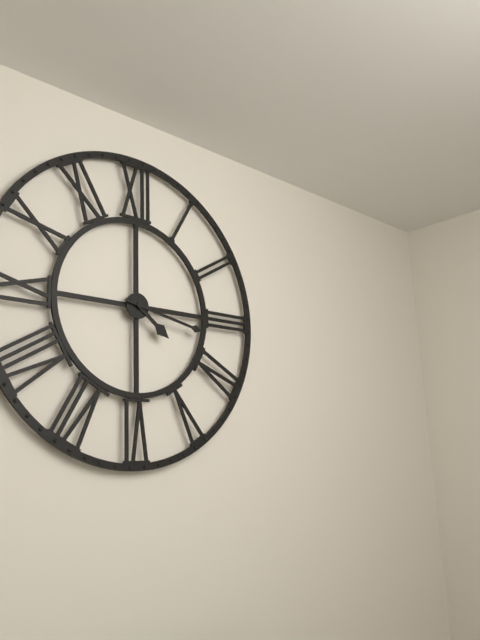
4:17
